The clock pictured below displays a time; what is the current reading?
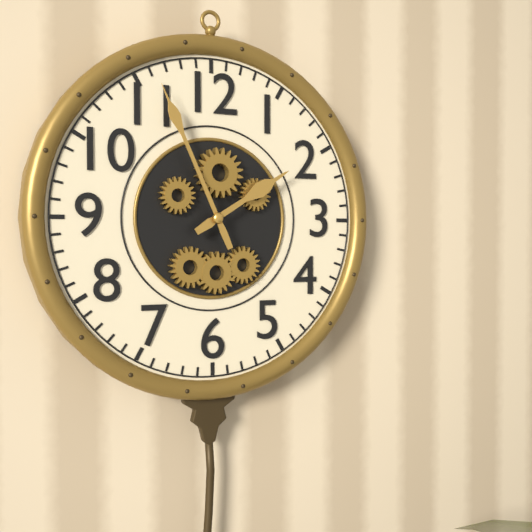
1:56
